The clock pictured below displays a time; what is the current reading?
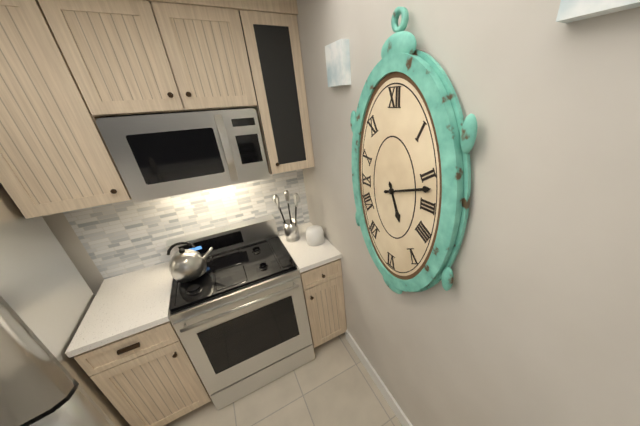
5:12
